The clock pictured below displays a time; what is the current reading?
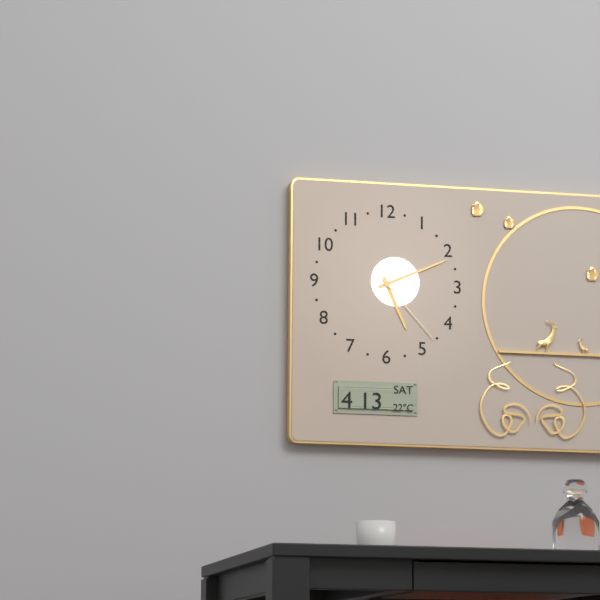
5:11:23
